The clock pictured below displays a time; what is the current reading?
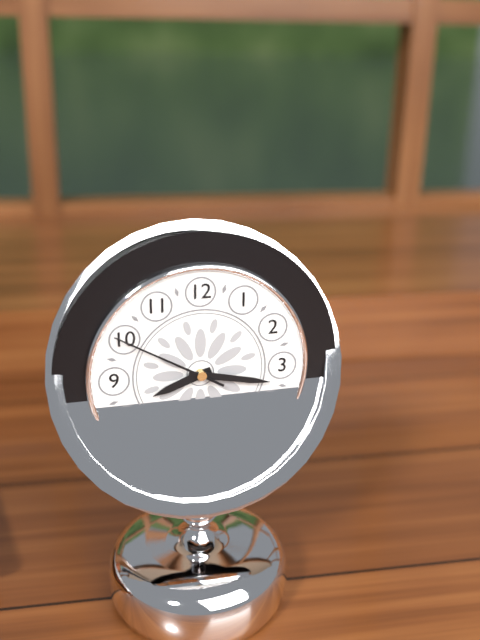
8:17:50
